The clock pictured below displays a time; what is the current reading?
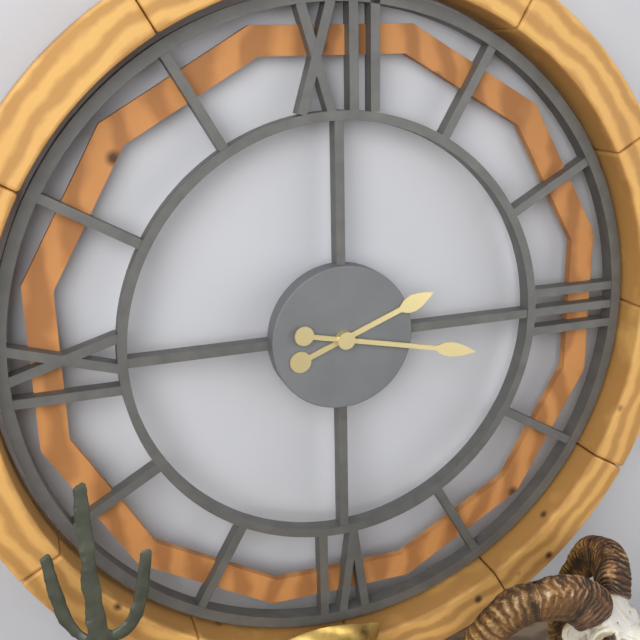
2:17
